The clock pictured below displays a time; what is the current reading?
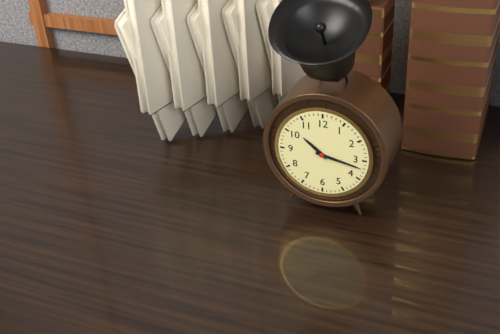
10:17
